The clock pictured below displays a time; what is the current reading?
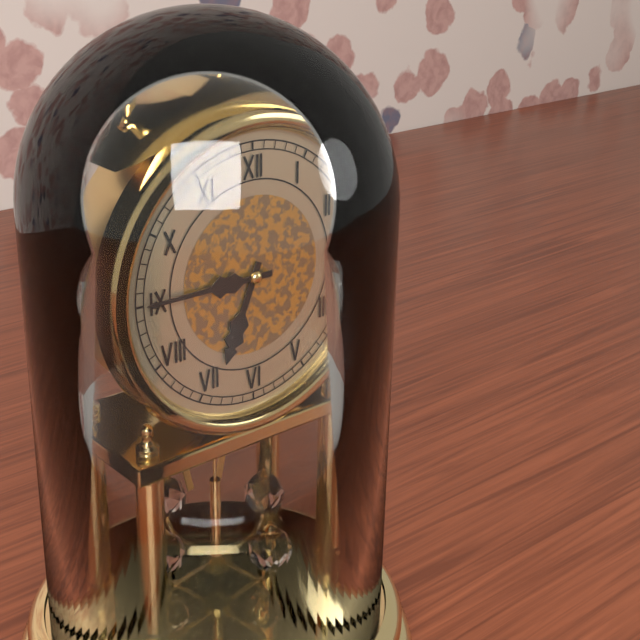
6:45
